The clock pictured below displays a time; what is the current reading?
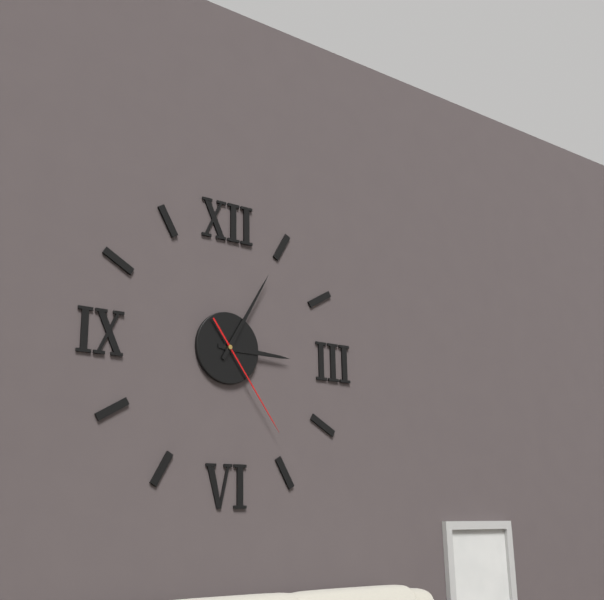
3:05:24
